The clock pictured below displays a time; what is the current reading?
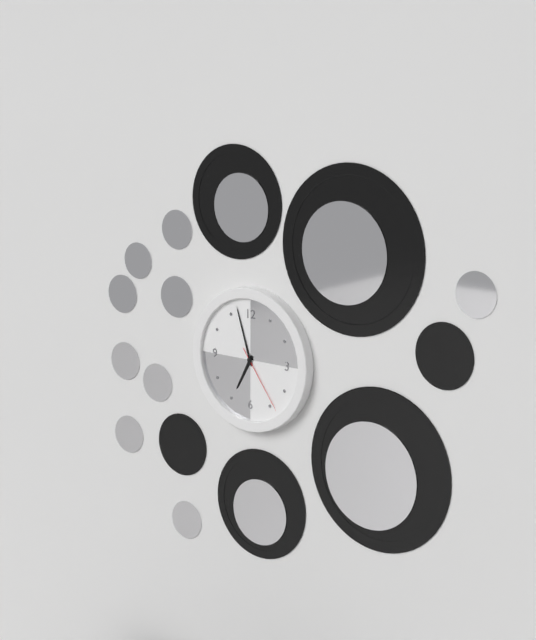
6:57:24
